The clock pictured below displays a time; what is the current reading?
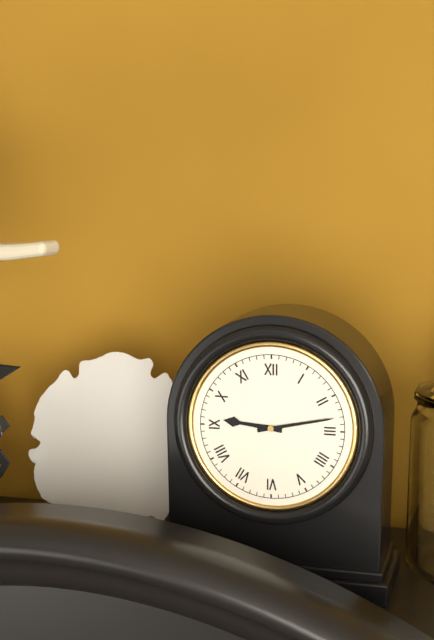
9:13
